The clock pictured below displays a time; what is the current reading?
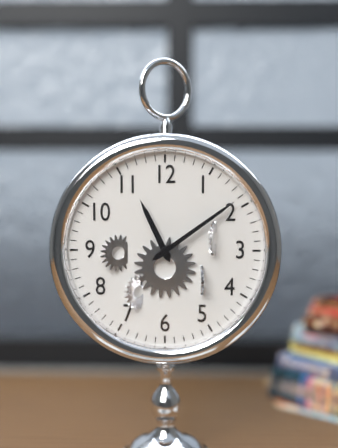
11:09
